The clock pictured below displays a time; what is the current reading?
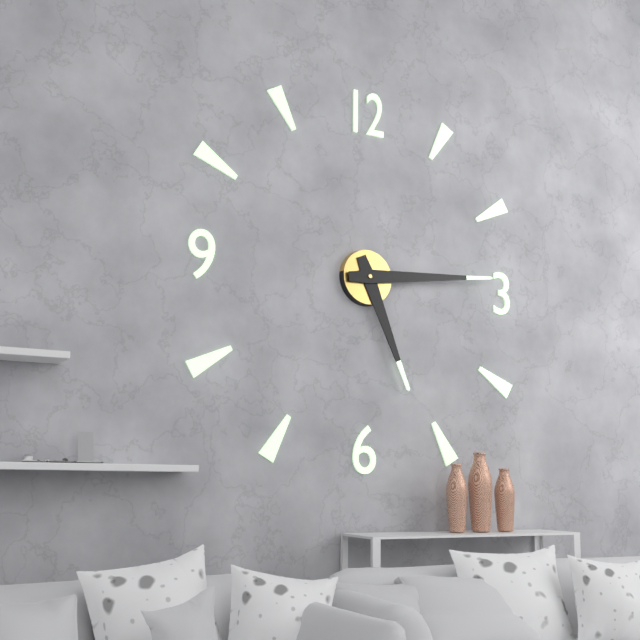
5:14
